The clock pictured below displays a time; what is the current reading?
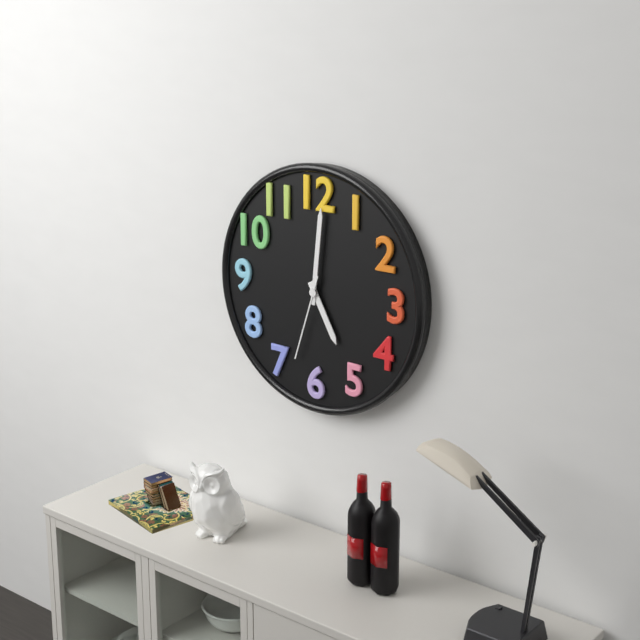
5:01:33
